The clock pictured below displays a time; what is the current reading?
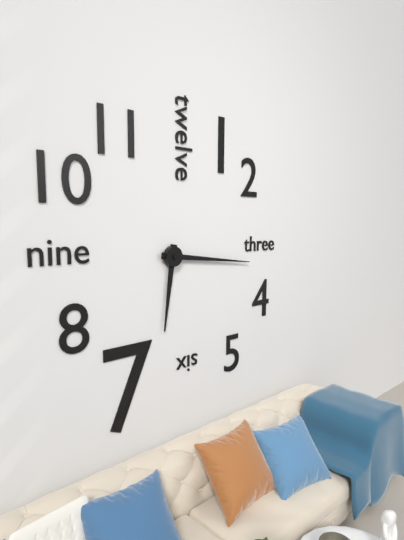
6:16
